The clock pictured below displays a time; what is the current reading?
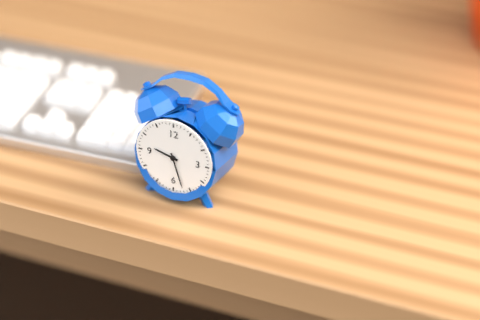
9:27
